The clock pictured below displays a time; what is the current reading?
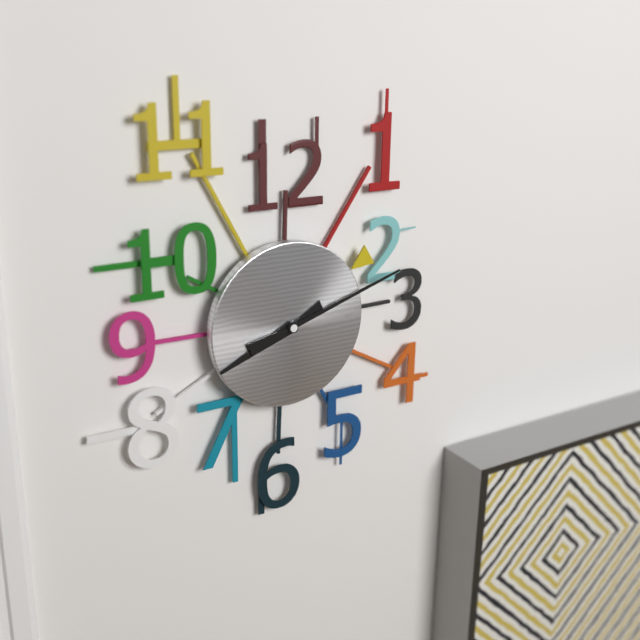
8:12
